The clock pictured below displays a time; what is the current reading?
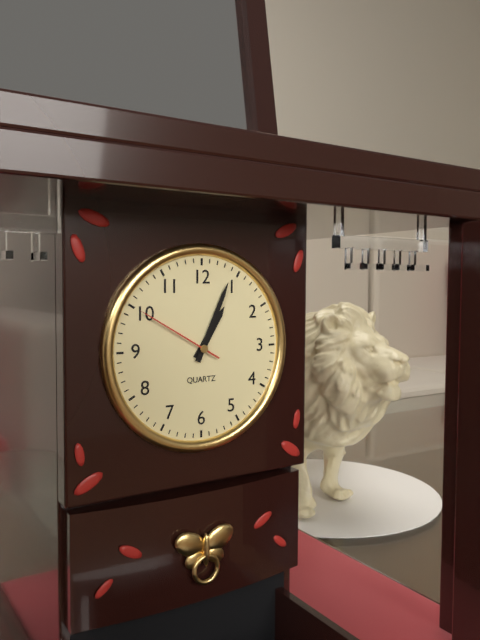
1:04:50
